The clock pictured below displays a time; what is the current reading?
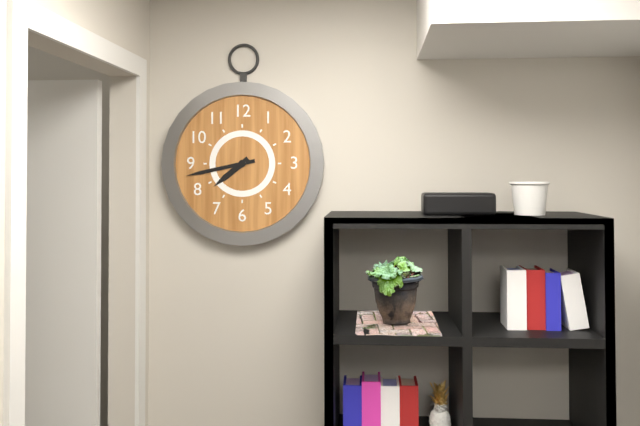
7:43
